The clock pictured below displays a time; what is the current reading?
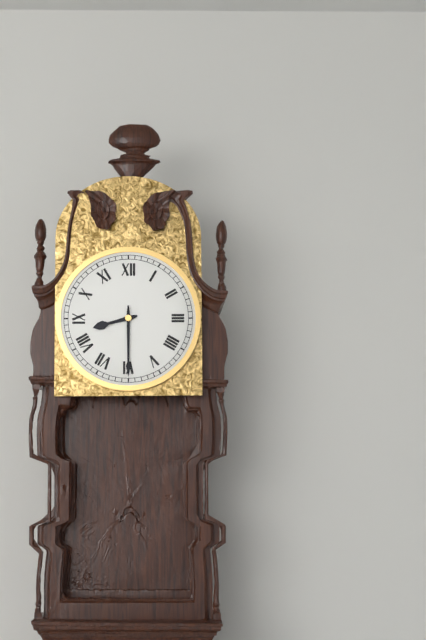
8:30
